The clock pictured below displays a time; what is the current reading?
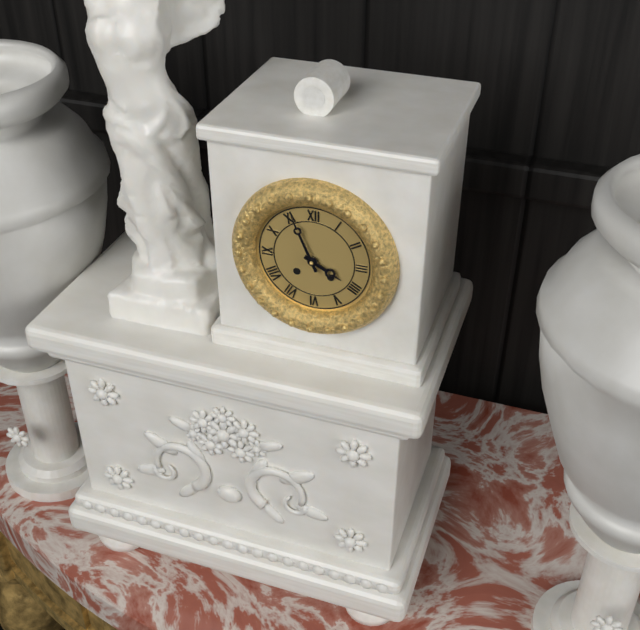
3:56
